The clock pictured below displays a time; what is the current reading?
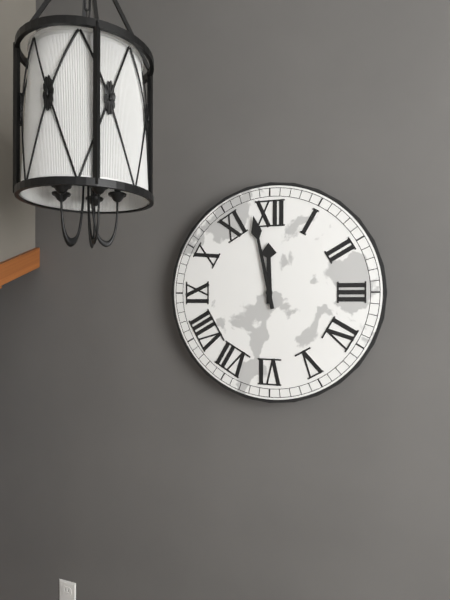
11:58
